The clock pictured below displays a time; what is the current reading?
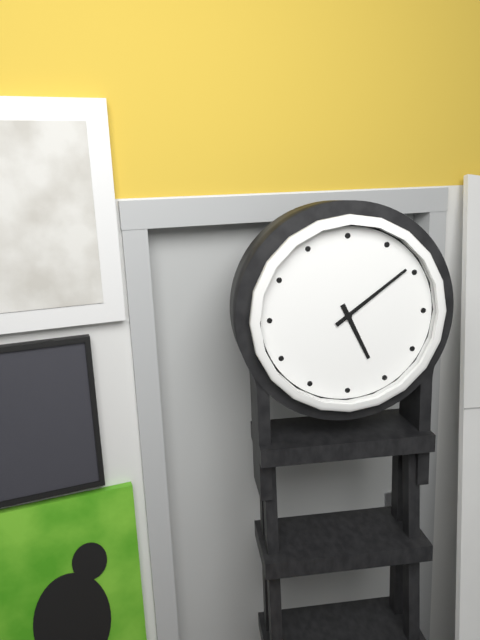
5:09
